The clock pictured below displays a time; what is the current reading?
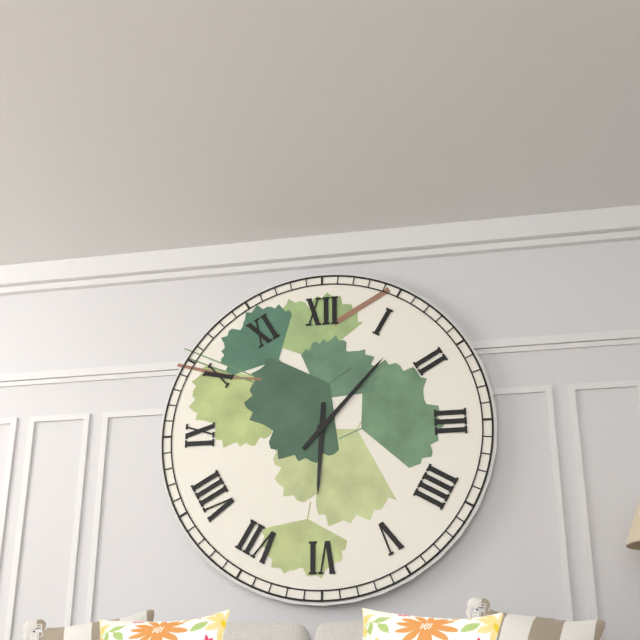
6:07
